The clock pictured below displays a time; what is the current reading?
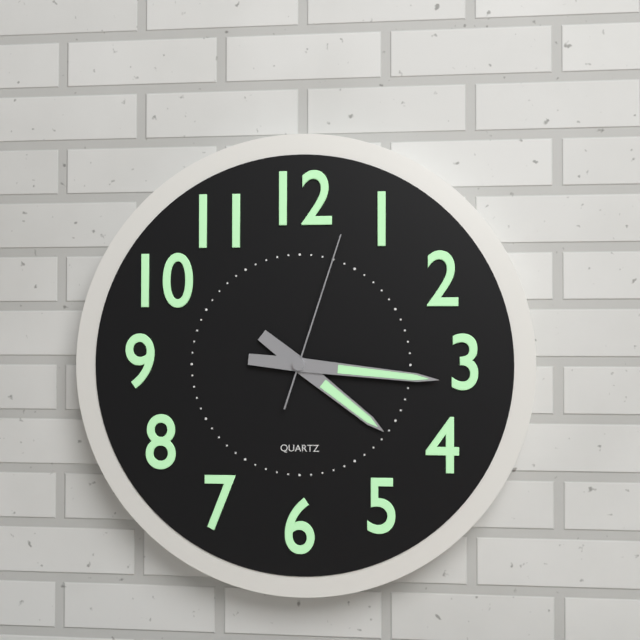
4:16:03
